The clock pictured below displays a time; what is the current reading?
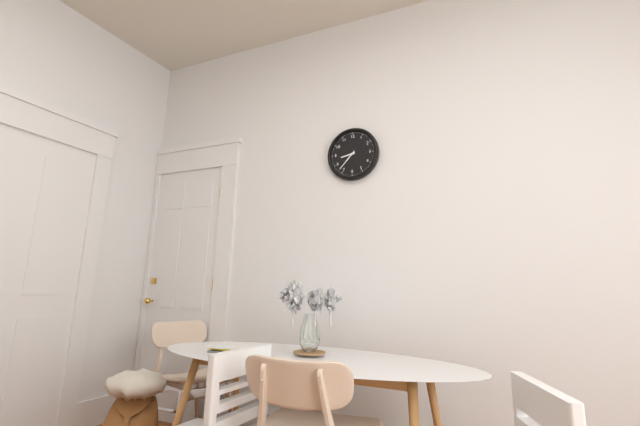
8:37
